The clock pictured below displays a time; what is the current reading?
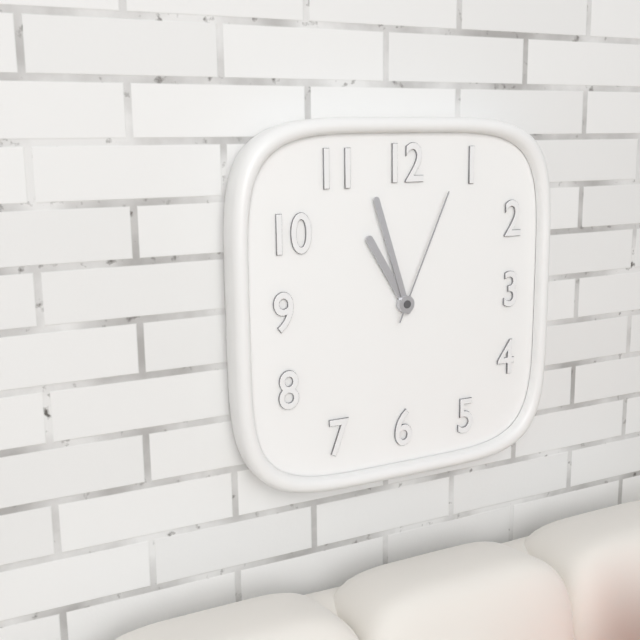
10:57:04
